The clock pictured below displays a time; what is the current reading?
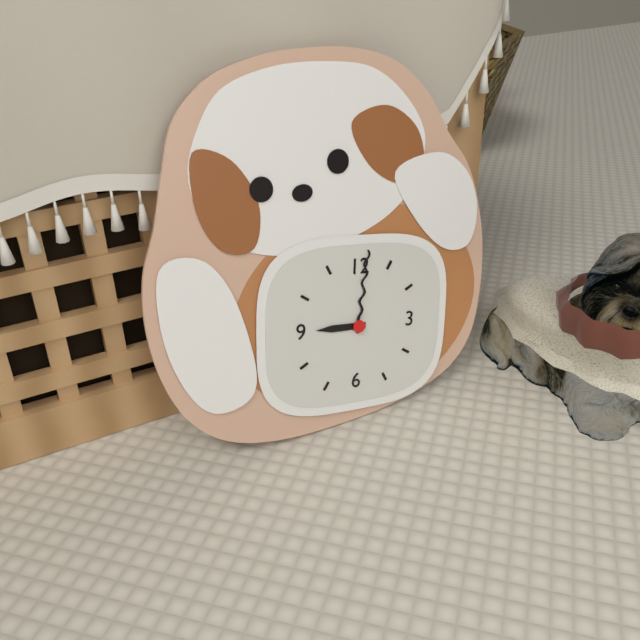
9:01
